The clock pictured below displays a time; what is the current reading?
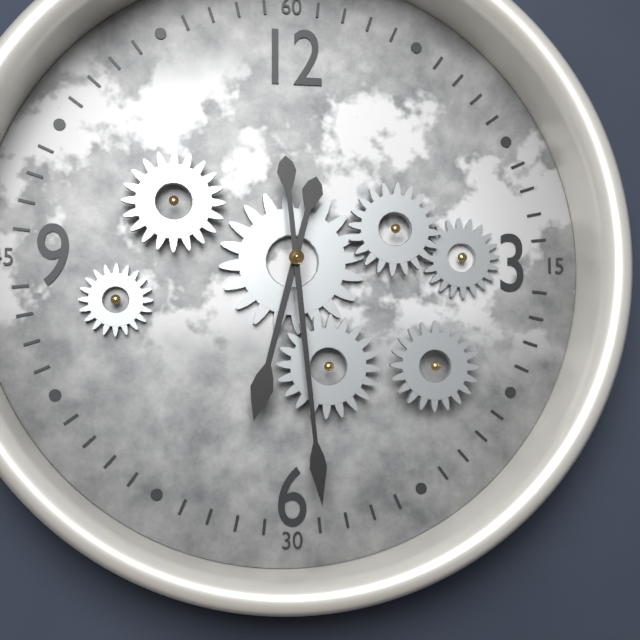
6:29
